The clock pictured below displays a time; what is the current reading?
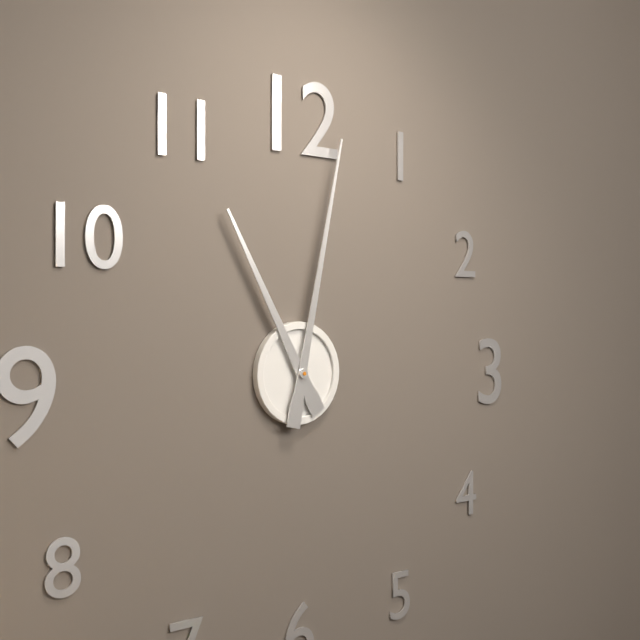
11:02
